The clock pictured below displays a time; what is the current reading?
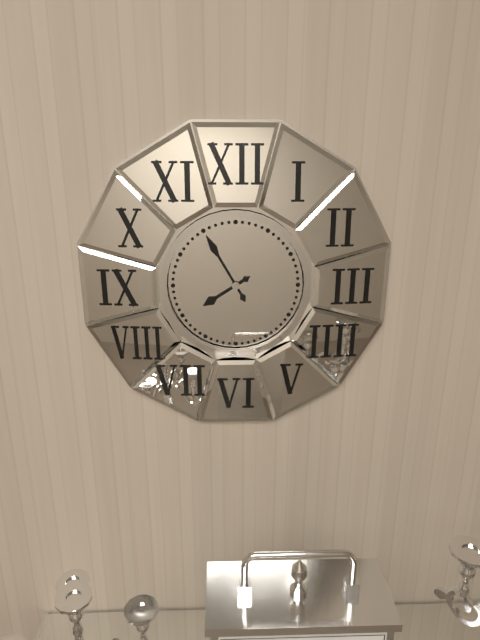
7:55
